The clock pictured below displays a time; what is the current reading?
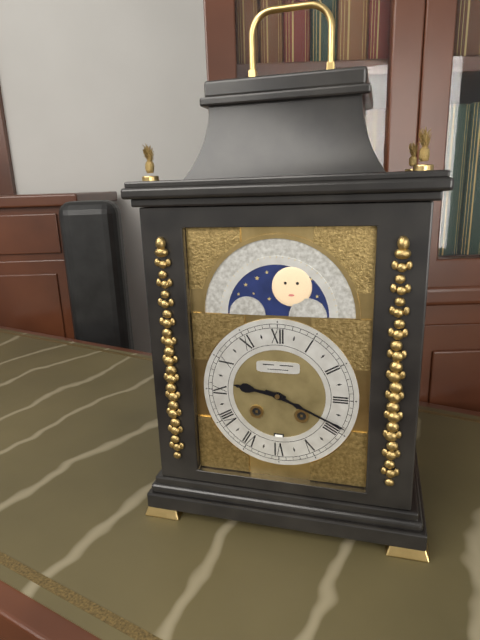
9:19
